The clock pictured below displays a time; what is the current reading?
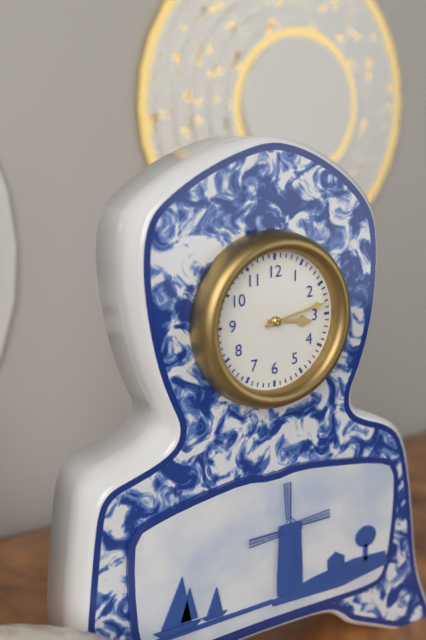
3:13
